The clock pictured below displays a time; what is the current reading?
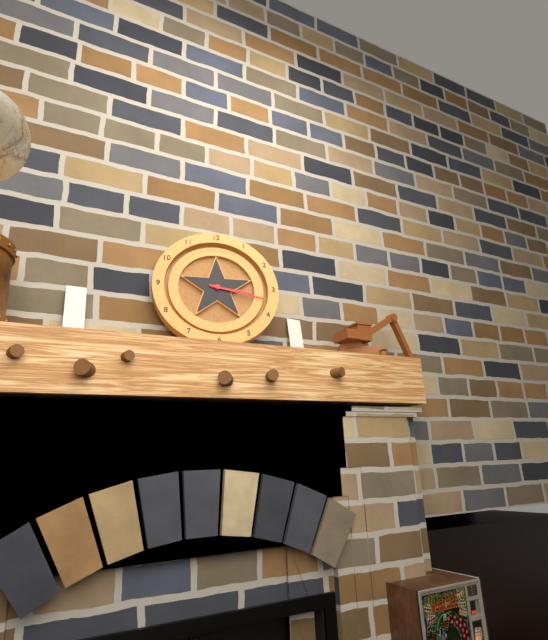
3:17
